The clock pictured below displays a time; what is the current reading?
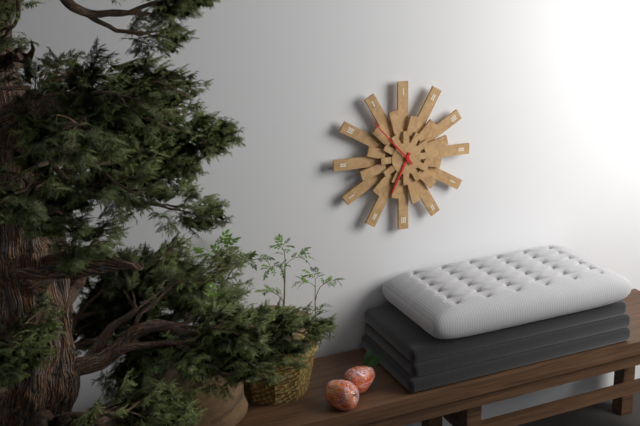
6:53
